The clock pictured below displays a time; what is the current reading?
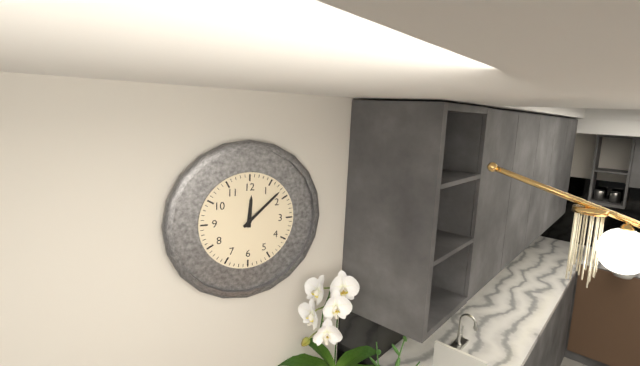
12:08
